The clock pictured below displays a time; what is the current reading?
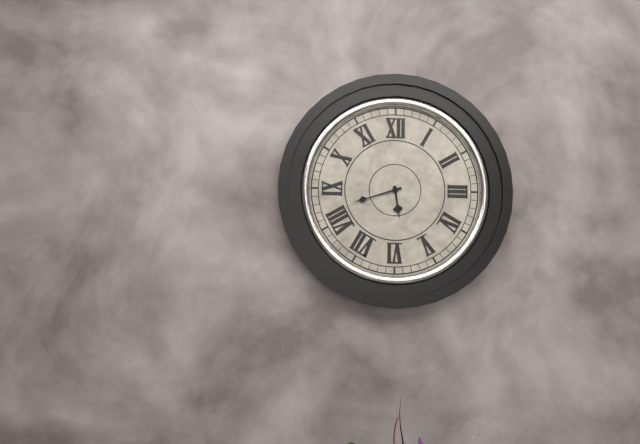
5:42
